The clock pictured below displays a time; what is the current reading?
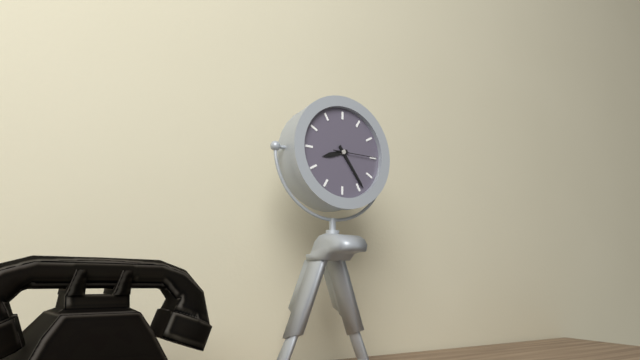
8:24
